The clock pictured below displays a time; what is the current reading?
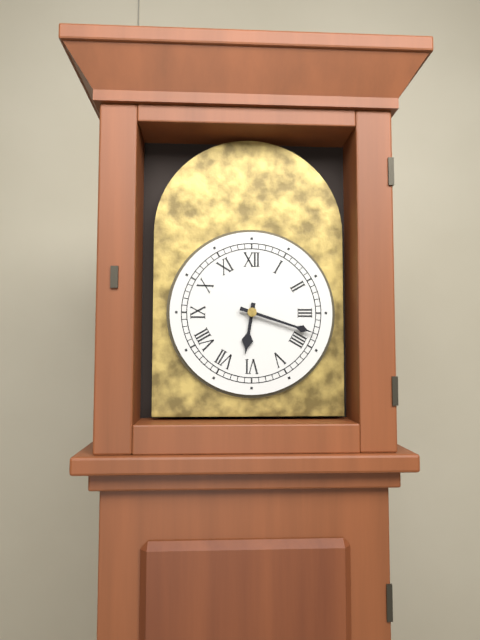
6:18
